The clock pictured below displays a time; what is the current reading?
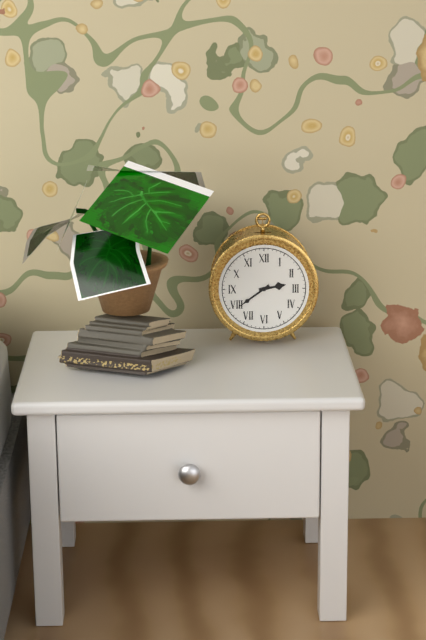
2:39
